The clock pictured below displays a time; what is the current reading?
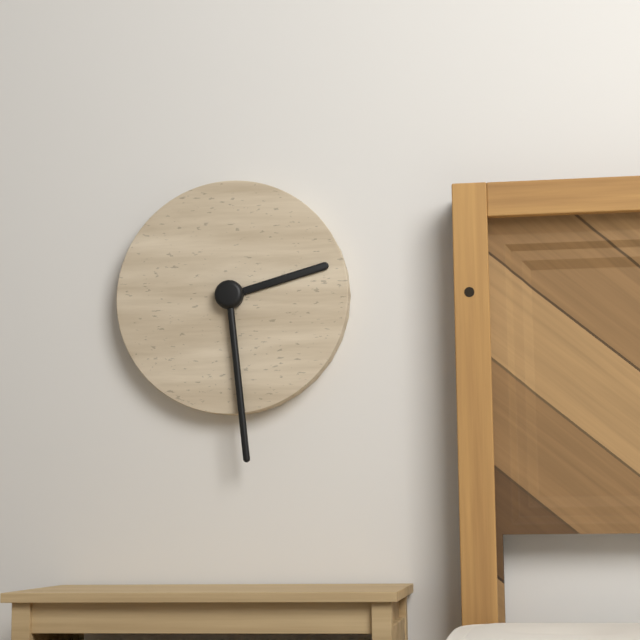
2:29
